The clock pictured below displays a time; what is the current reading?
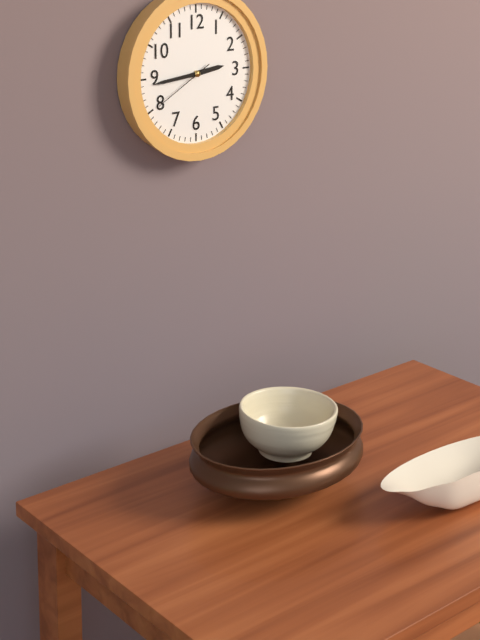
2:44:40
